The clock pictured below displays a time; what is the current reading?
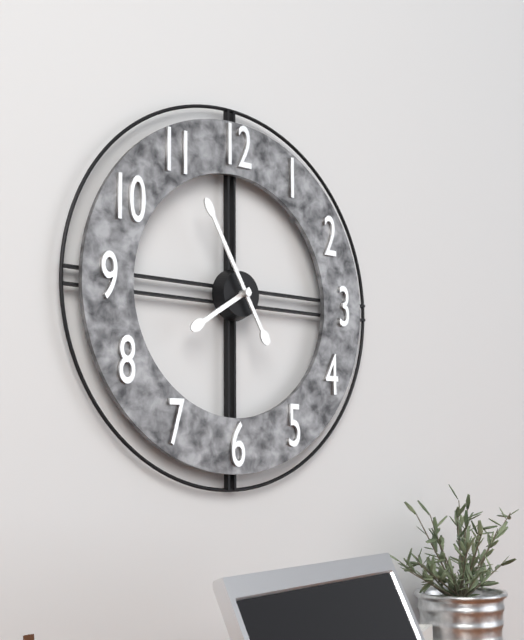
7:55
